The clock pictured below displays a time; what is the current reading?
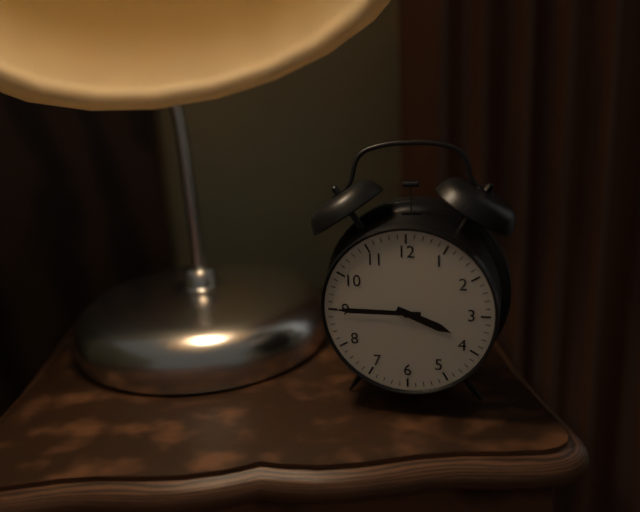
3:45
